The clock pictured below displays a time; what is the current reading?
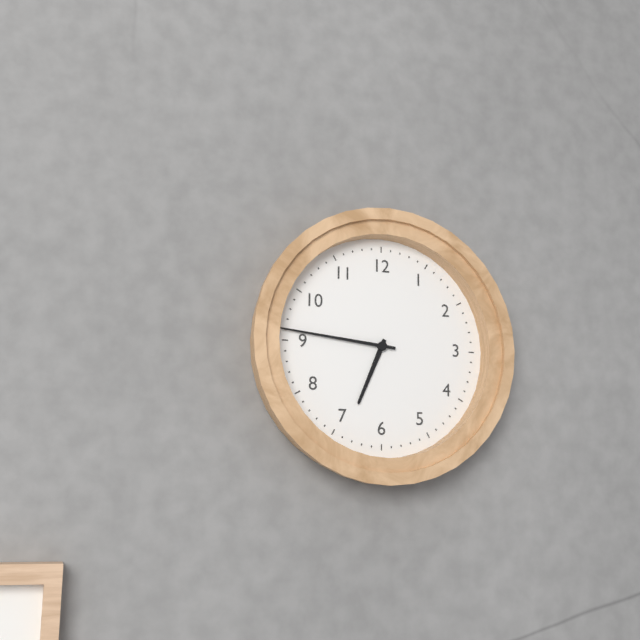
6:46
